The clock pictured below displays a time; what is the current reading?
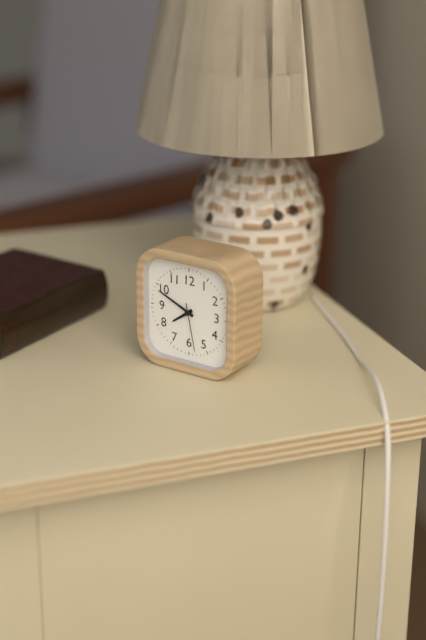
7:49:28
